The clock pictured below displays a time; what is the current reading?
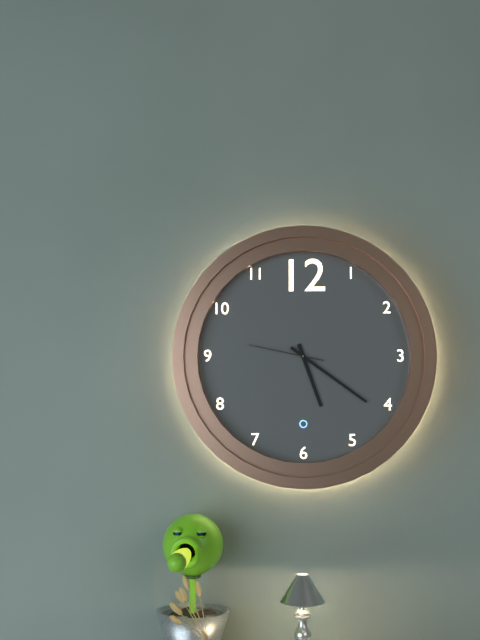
5:21:47
